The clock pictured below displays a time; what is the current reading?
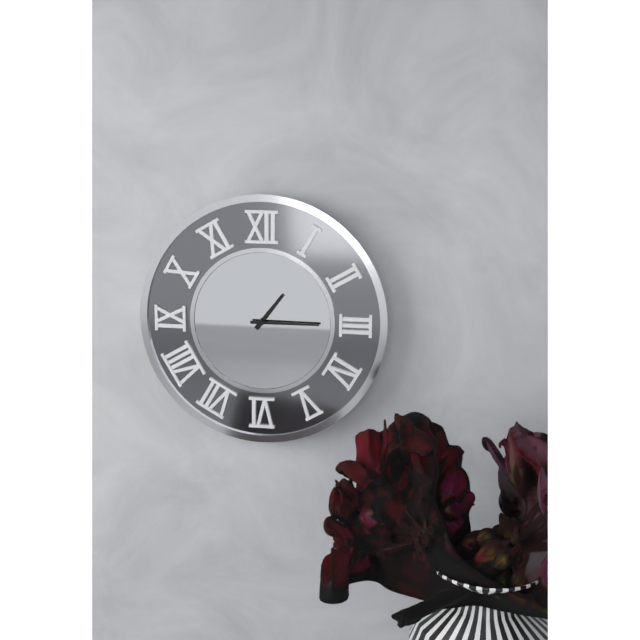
1:15
